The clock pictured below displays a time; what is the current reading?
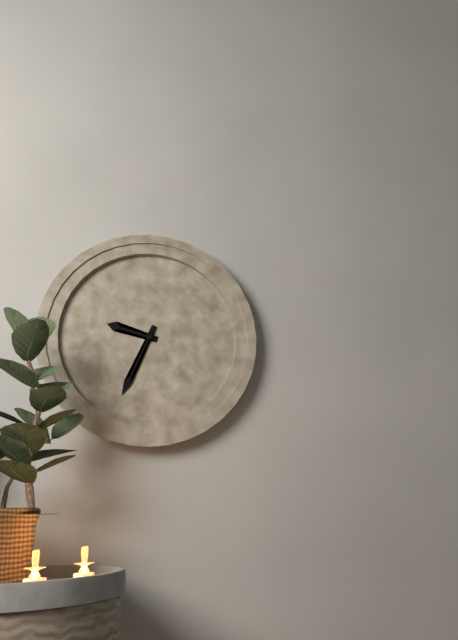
9:34
